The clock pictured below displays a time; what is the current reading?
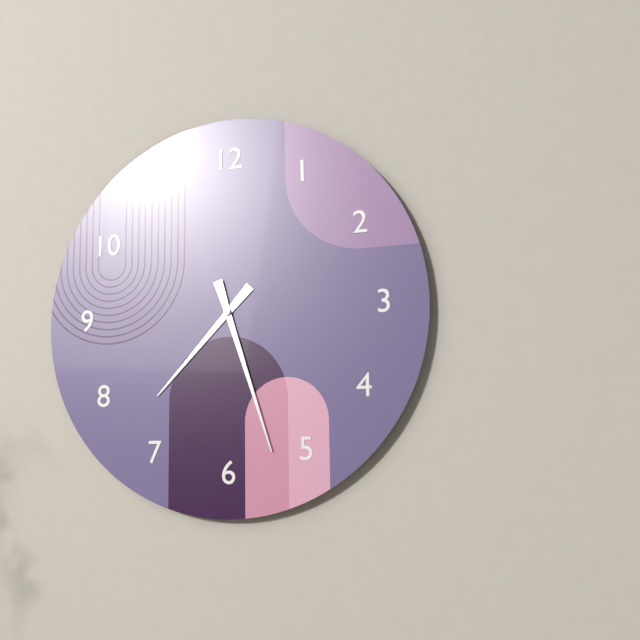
7:27
